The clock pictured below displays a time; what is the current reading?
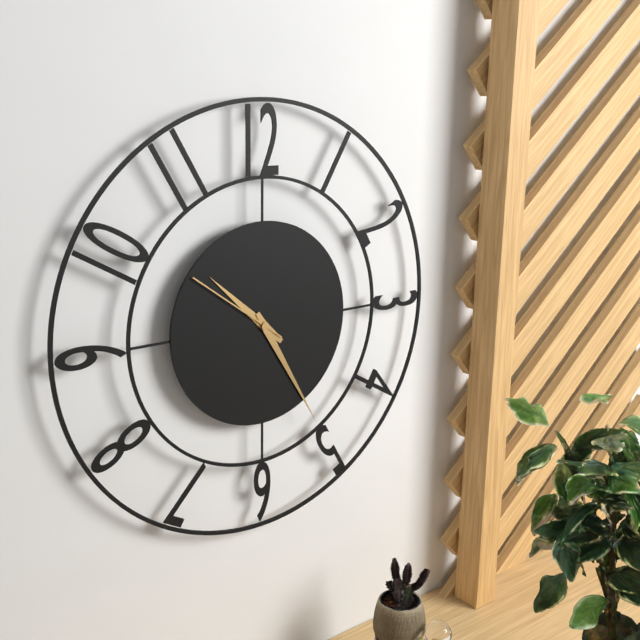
10:25:51
